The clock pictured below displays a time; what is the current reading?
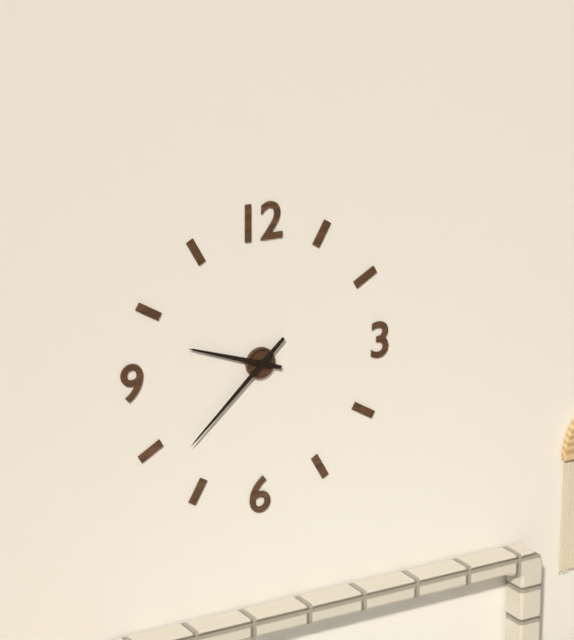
9:38
